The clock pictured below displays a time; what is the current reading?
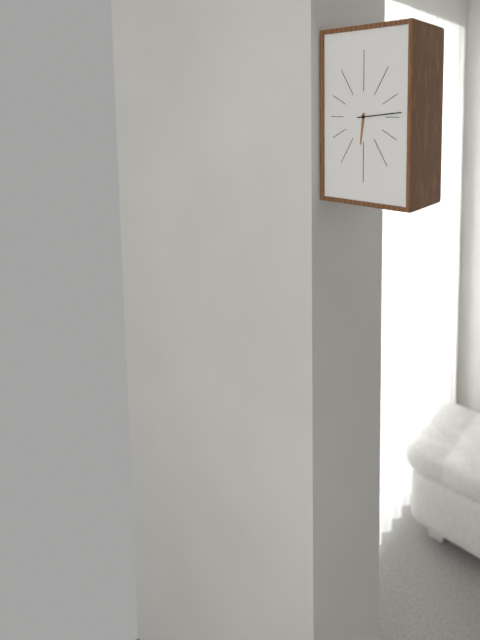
6:14
